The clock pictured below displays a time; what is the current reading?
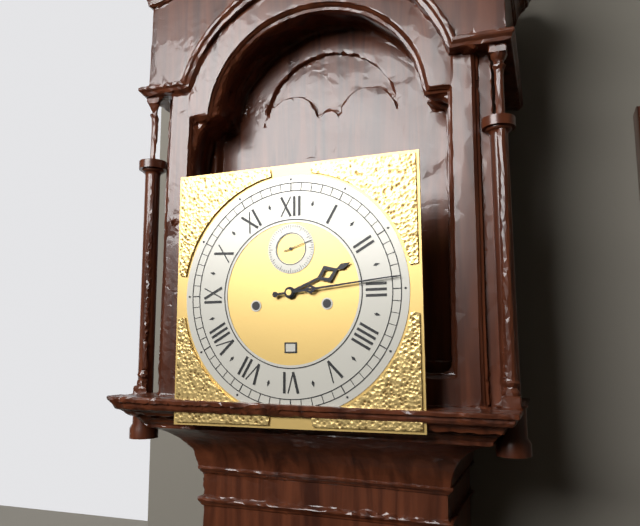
2:14
